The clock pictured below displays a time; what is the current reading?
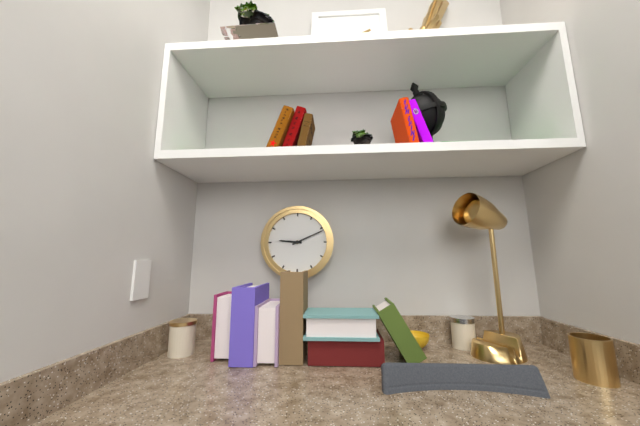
9:11
